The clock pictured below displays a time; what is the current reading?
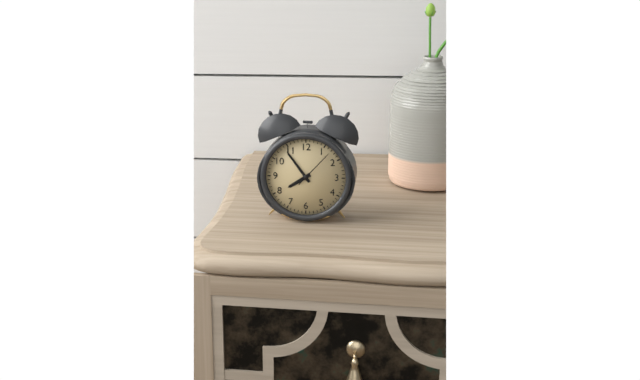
7:54
